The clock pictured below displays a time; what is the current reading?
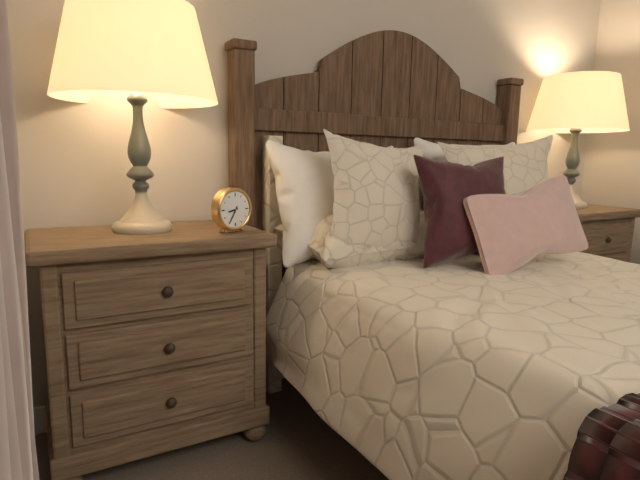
8:35
